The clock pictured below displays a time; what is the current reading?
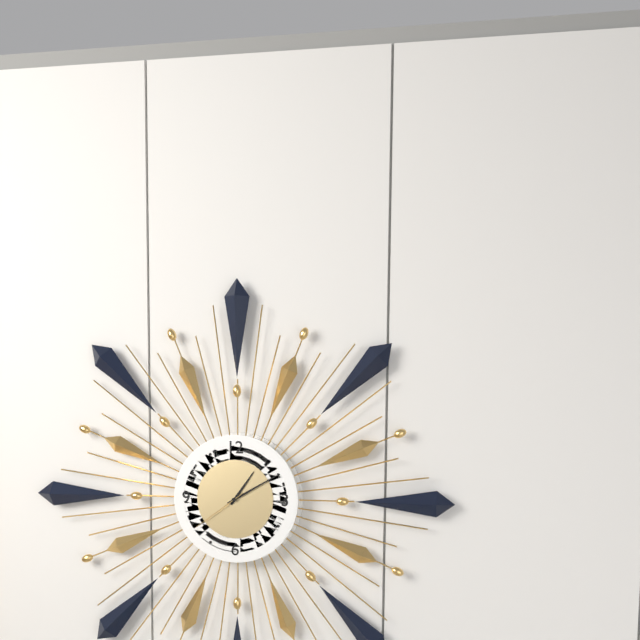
1:10:39
